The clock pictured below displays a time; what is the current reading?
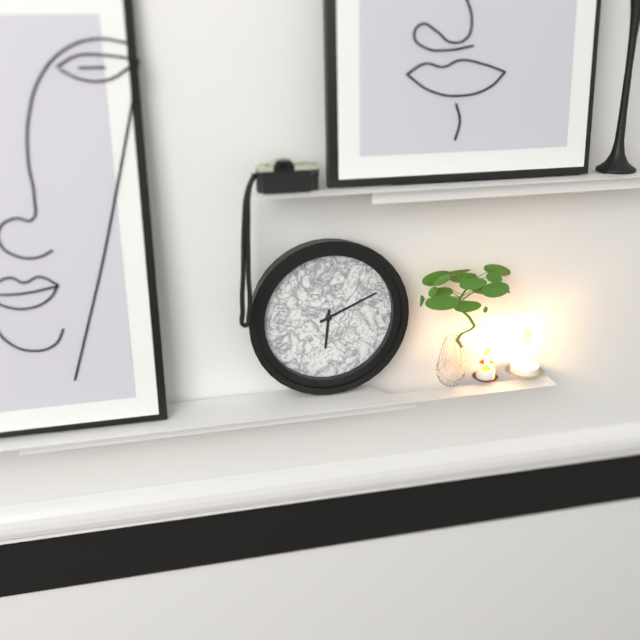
6:11
